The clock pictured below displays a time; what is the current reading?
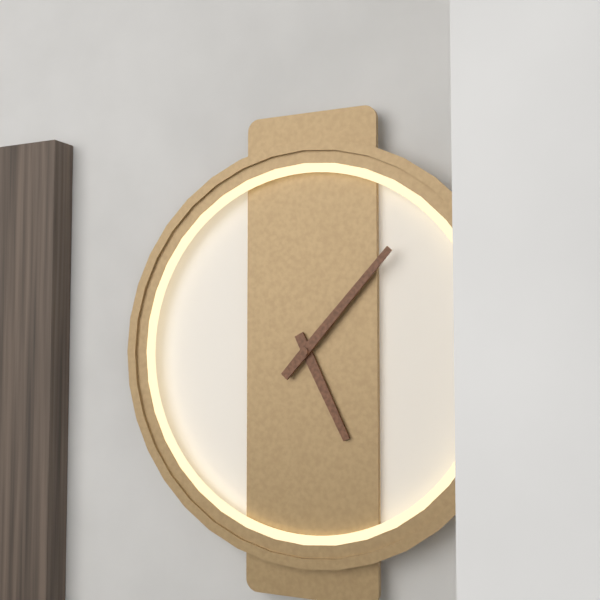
5:07
